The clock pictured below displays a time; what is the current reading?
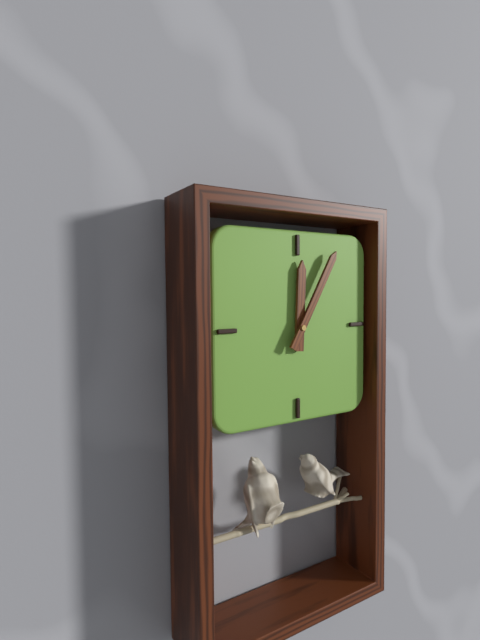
12:05
